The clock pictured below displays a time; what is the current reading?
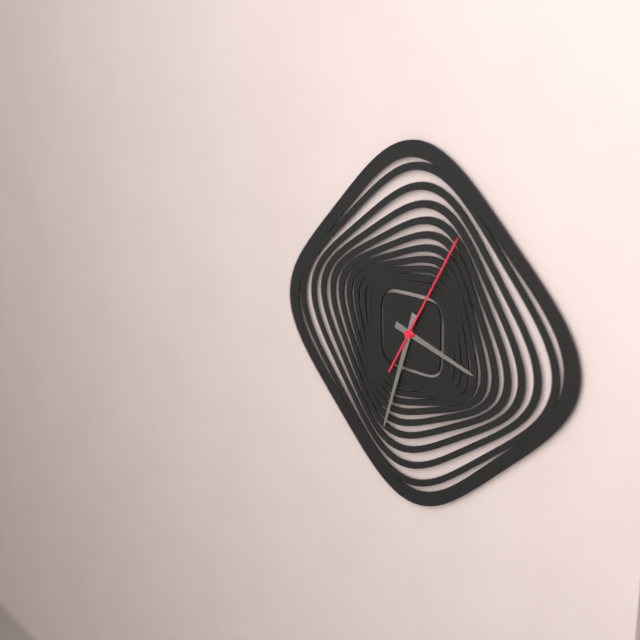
3:33:05
